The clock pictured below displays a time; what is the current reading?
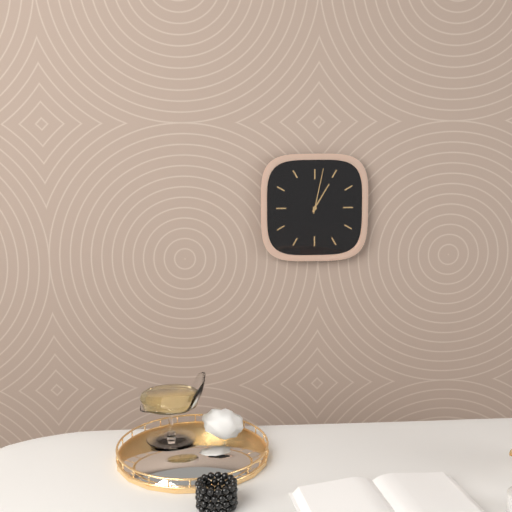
1:02
